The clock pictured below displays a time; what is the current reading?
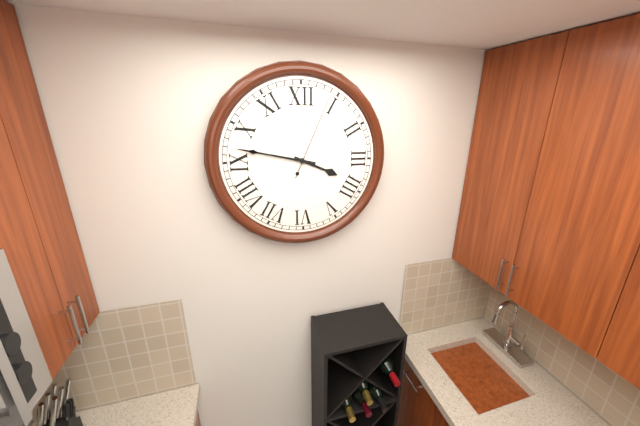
3:47:04
